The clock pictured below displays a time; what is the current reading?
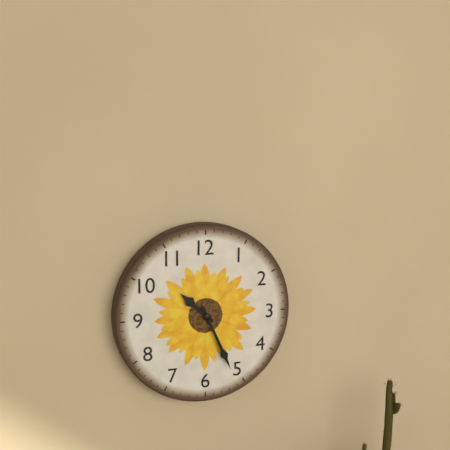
10:26
